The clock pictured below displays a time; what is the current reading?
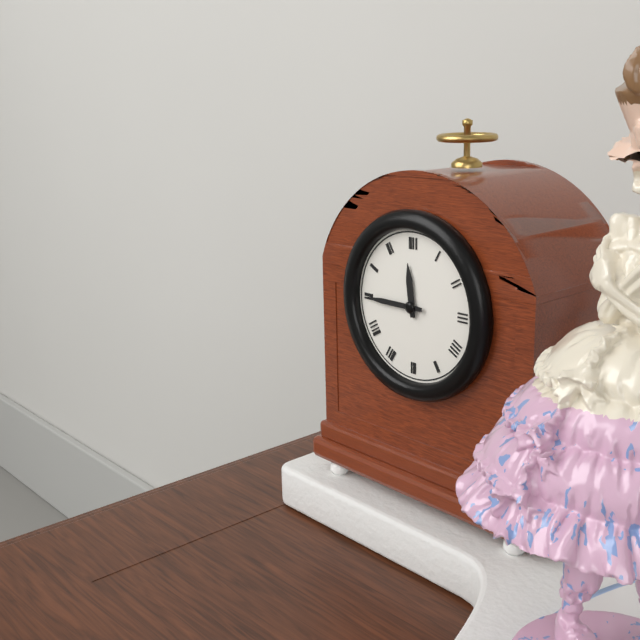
11:45
